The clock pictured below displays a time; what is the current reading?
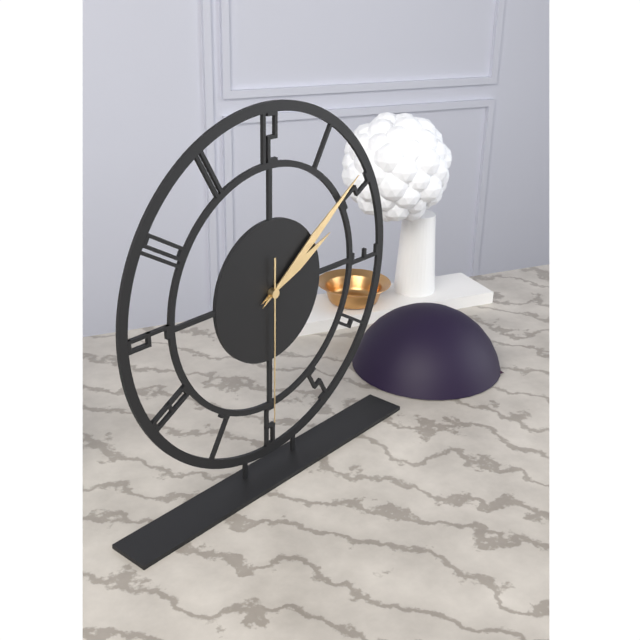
2:09:30
